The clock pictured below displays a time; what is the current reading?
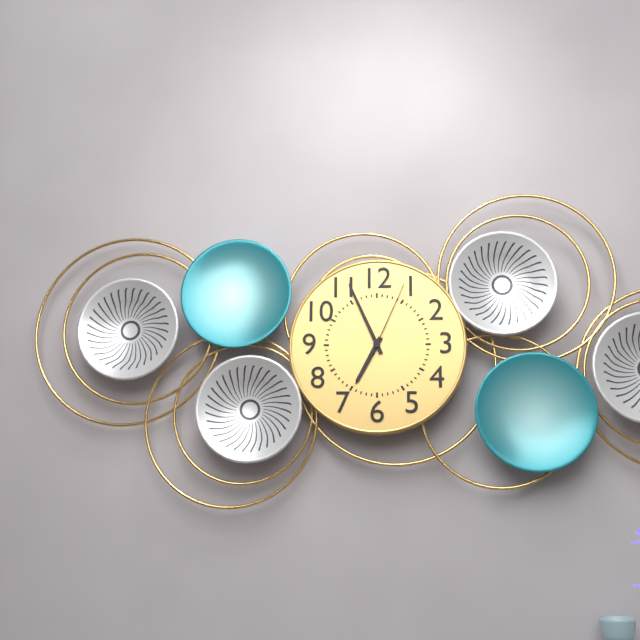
6:56:04
